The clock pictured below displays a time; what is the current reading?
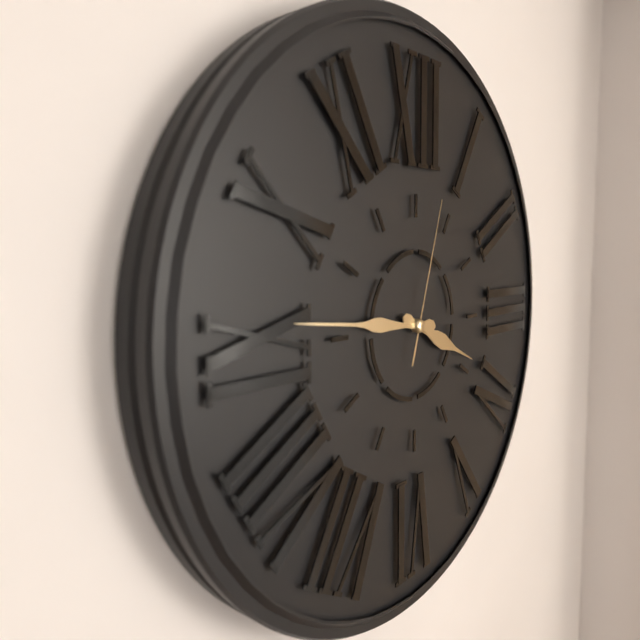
3:46:03
